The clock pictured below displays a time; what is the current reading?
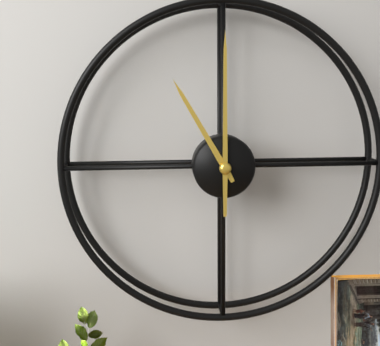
11:00
